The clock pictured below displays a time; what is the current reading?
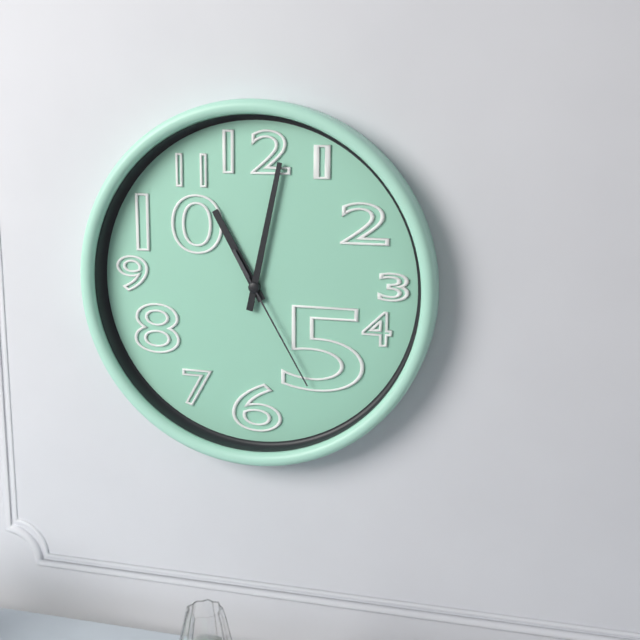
11:02:25
